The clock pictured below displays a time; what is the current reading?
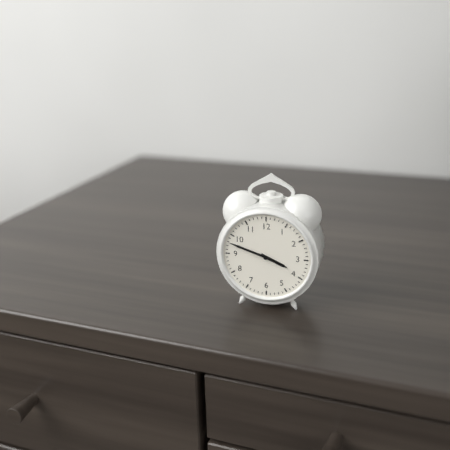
3:48
